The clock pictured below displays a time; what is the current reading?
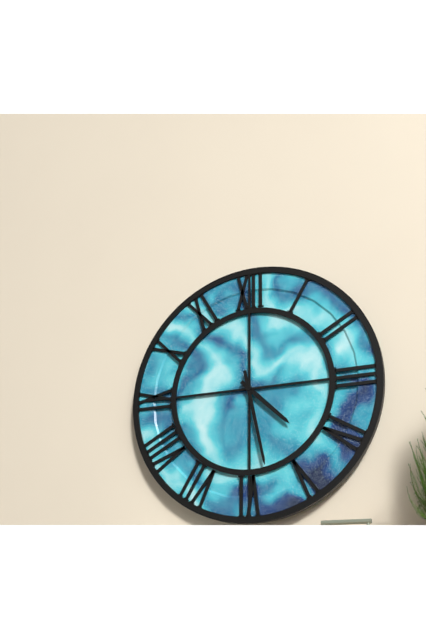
4:28
